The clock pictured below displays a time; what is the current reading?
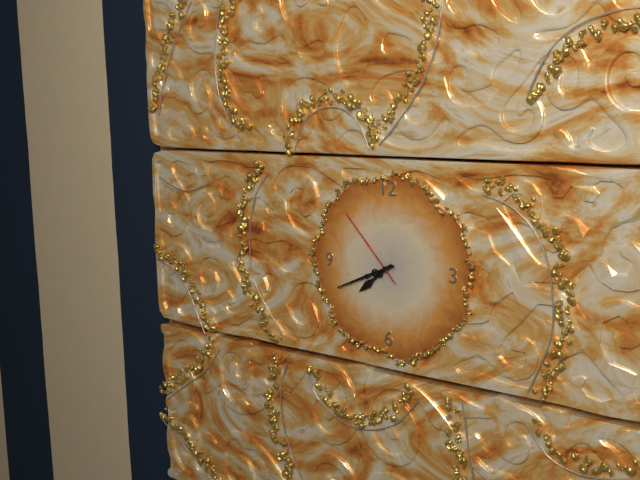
7:41:53
